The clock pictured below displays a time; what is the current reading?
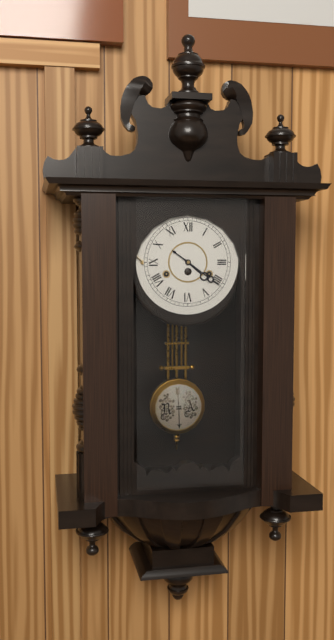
4:21
